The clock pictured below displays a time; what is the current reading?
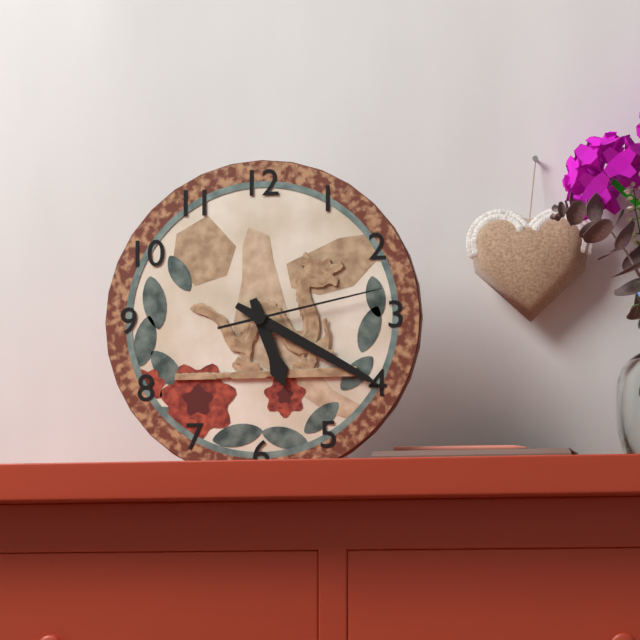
5:20:13
